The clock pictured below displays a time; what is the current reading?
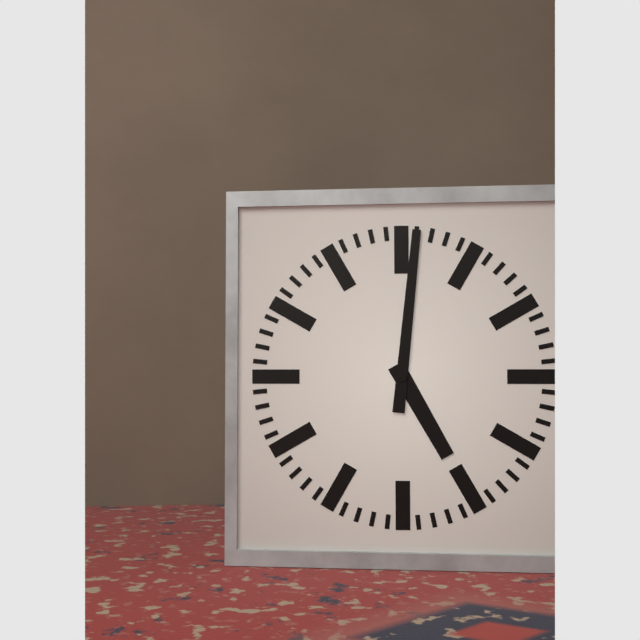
5:01
